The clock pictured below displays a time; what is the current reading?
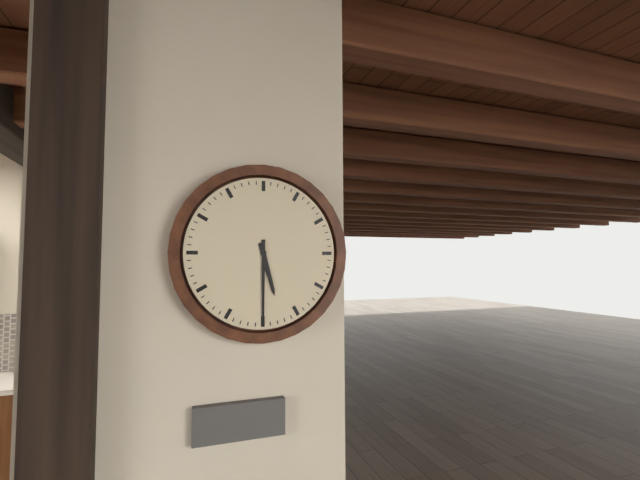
5:30
